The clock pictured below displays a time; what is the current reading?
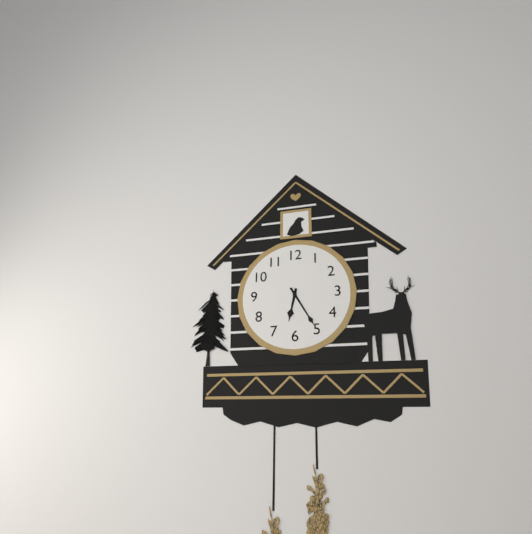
6:25
